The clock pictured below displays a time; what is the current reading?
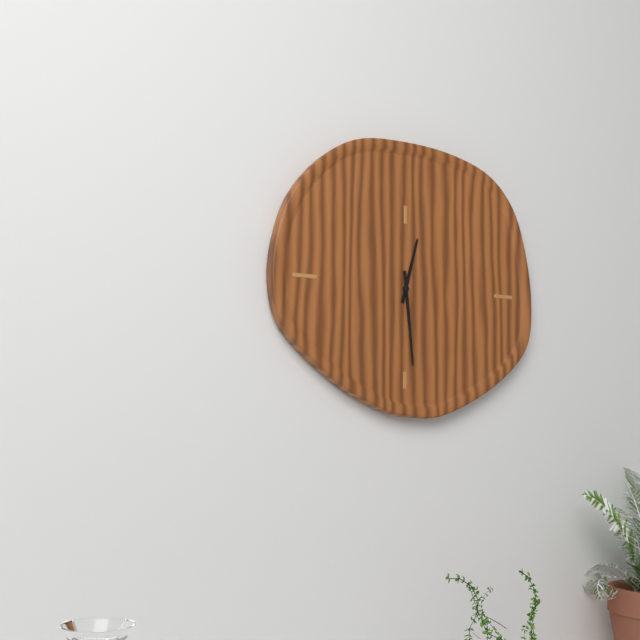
12:29
